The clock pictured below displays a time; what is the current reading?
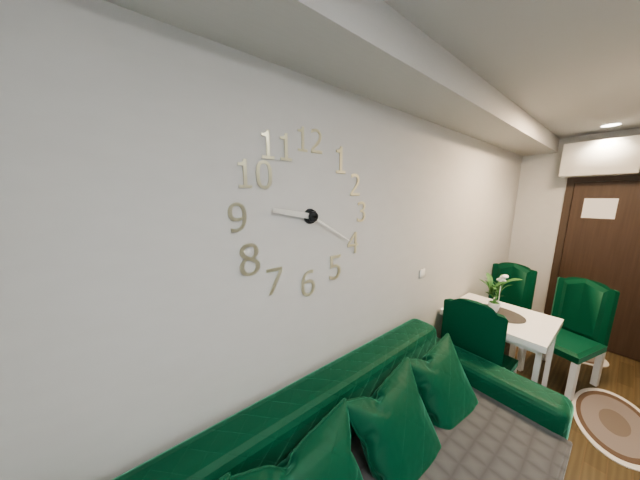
9:20
